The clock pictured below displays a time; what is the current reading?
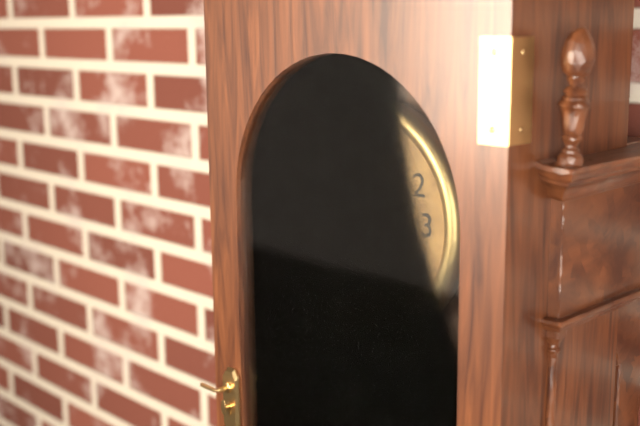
6:54
